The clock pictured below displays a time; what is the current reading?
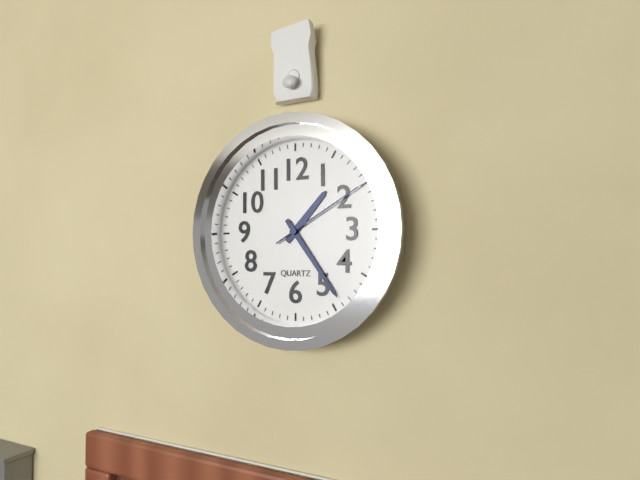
1:24:10
